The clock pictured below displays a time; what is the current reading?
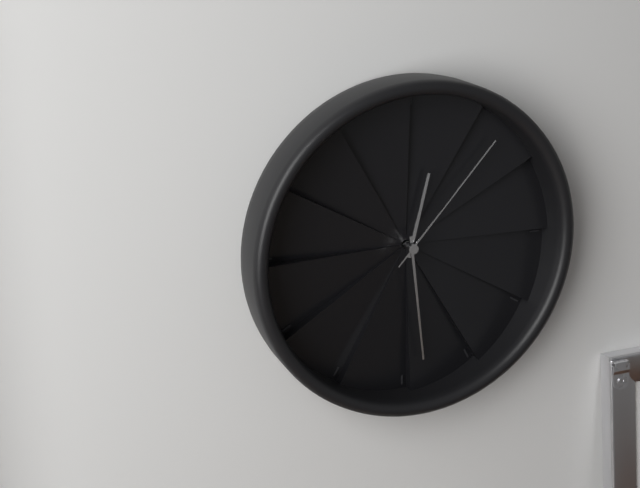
12:29:07
